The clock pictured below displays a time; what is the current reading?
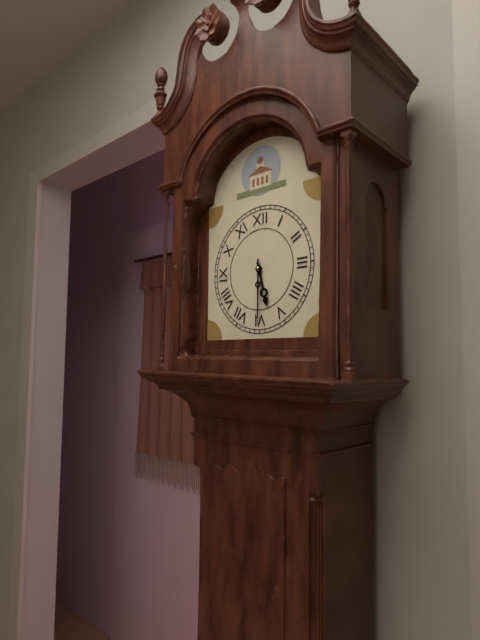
5:30
